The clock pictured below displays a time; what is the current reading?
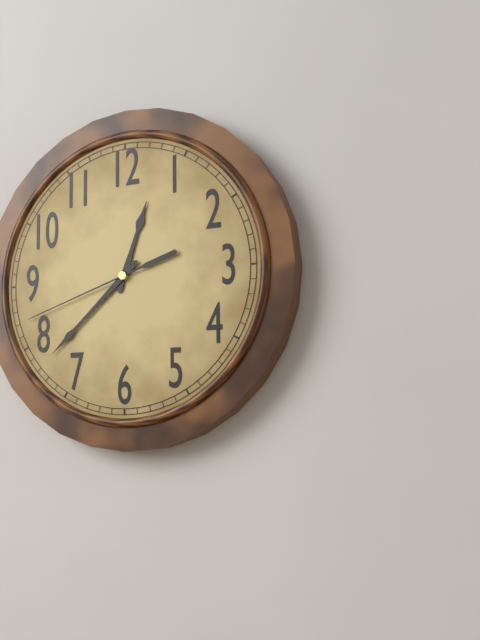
12:38:42
